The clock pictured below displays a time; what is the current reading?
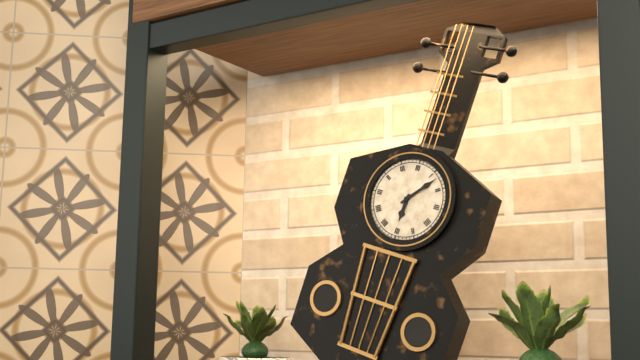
6:07
